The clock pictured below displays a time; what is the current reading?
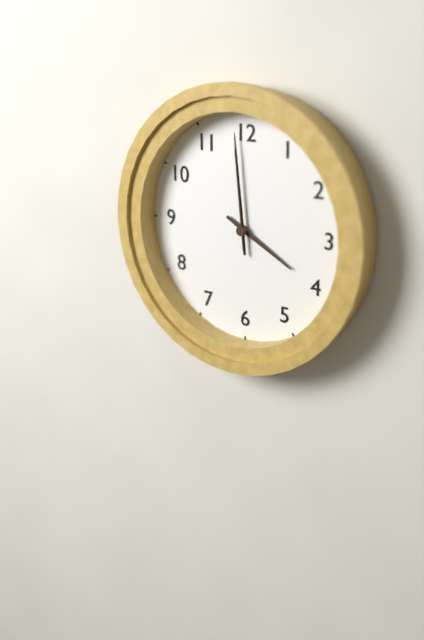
3:59:59
